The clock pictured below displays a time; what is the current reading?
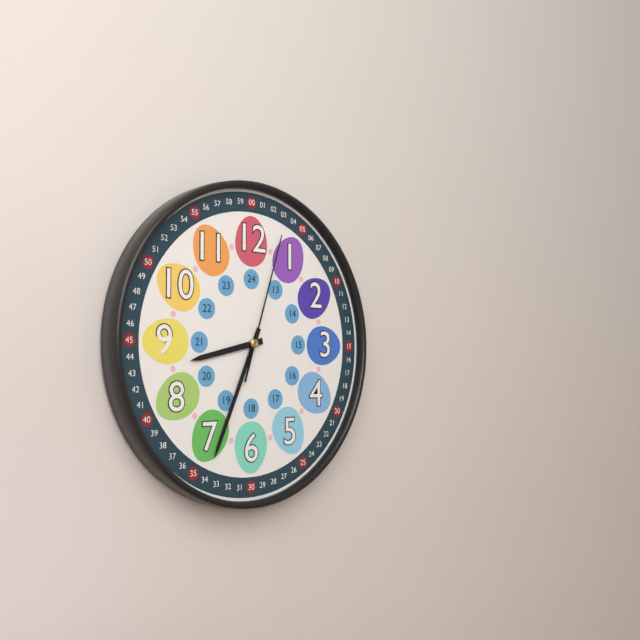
8:34:03
